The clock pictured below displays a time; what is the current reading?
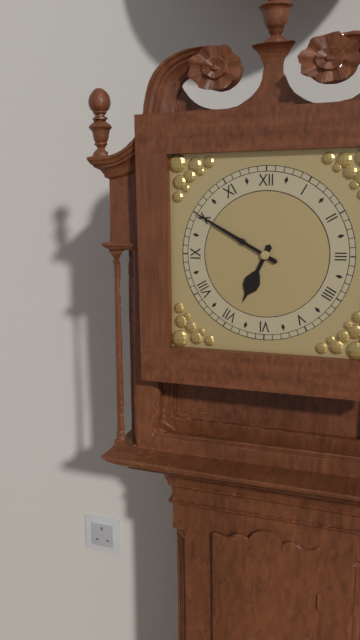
6:50
